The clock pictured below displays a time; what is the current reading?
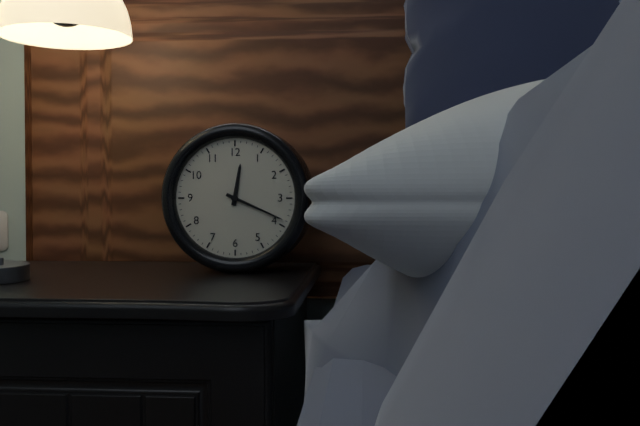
12:19
